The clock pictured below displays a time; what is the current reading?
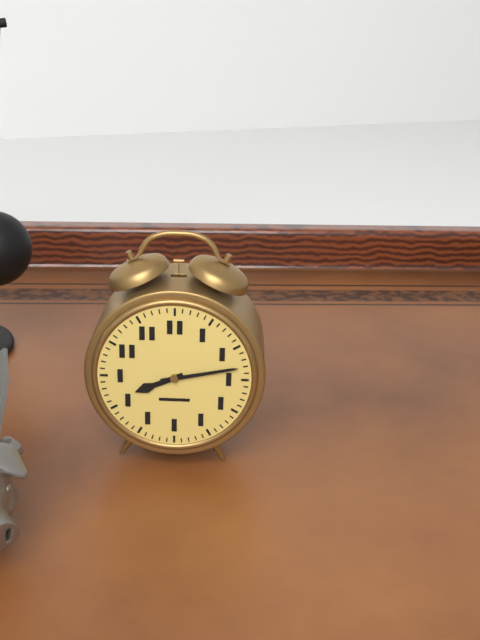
8:13
